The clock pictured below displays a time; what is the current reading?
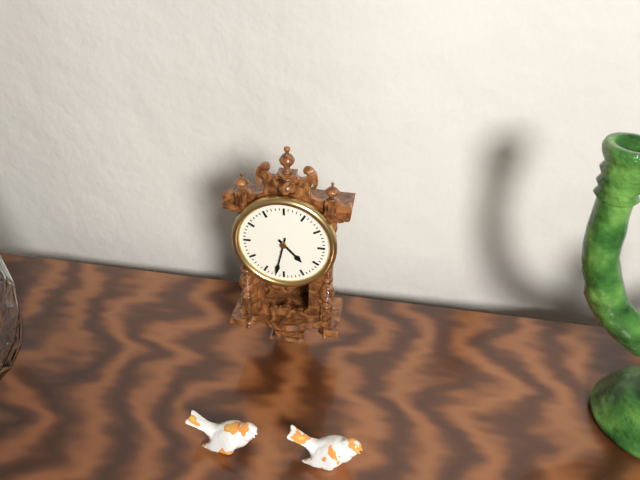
4:32
